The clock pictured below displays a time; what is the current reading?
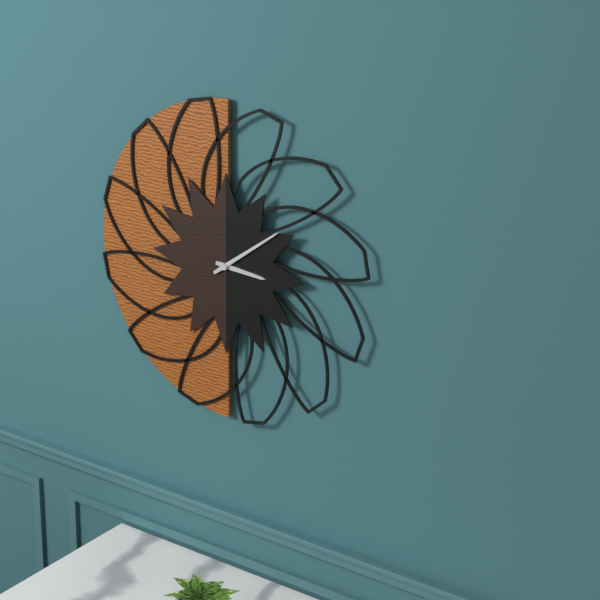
3:09
